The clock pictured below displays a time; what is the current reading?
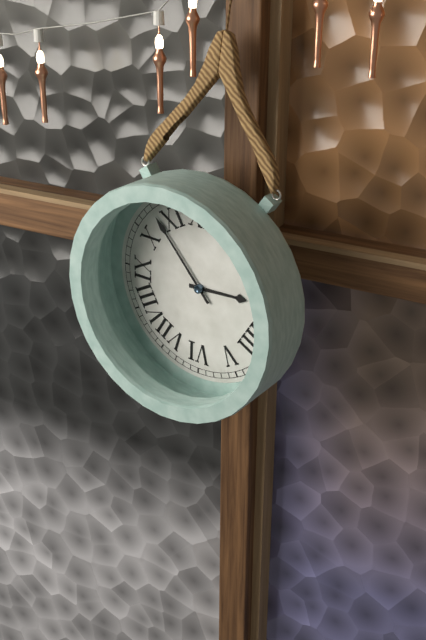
2:53
